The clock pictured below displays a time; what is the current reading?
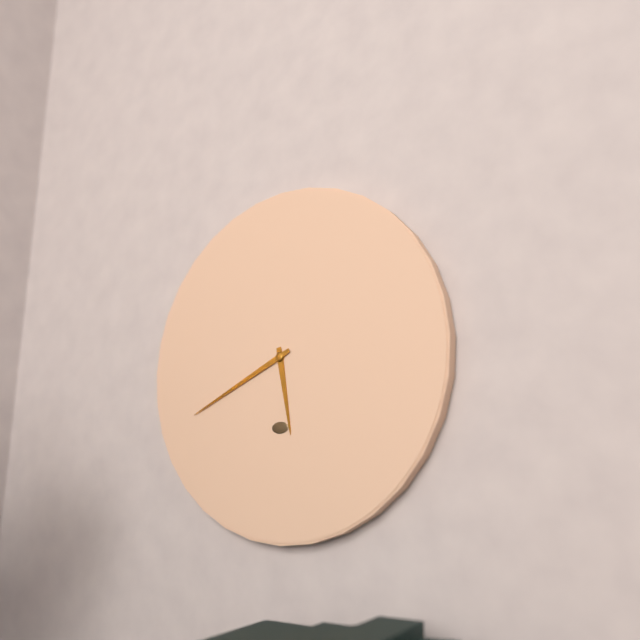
5:41
